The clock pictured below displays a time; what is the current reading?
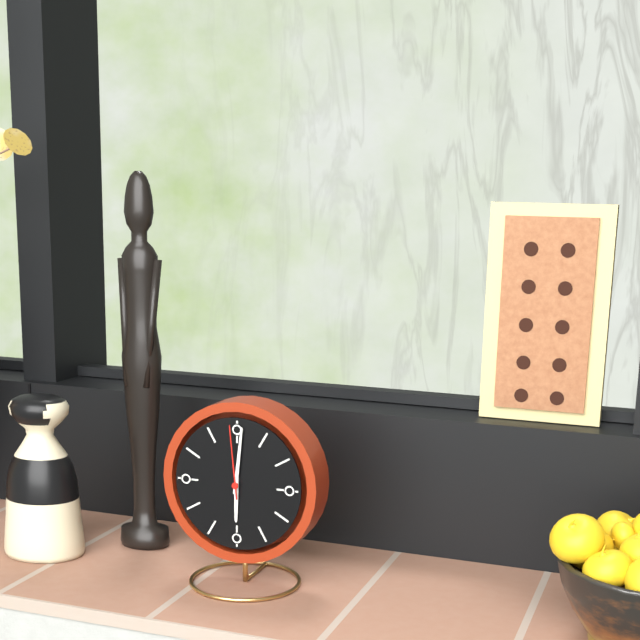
6:01:59
